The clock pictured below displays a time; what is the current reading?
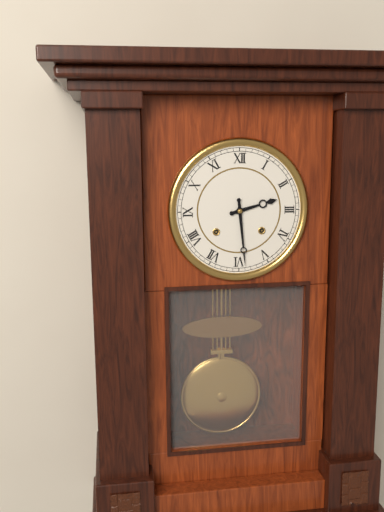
2:29
